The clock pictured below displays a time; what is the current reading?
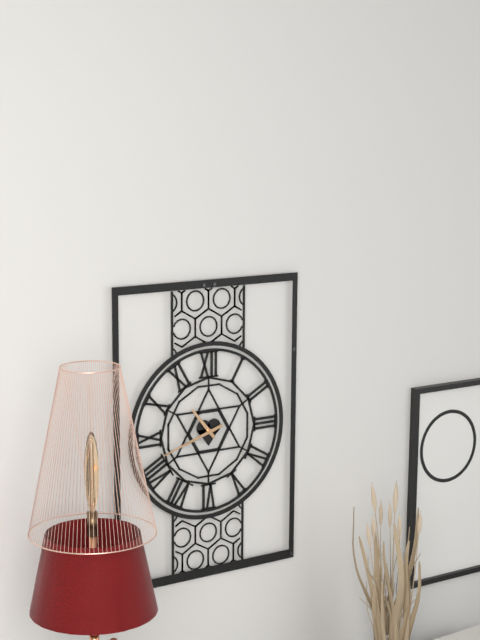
10:42
